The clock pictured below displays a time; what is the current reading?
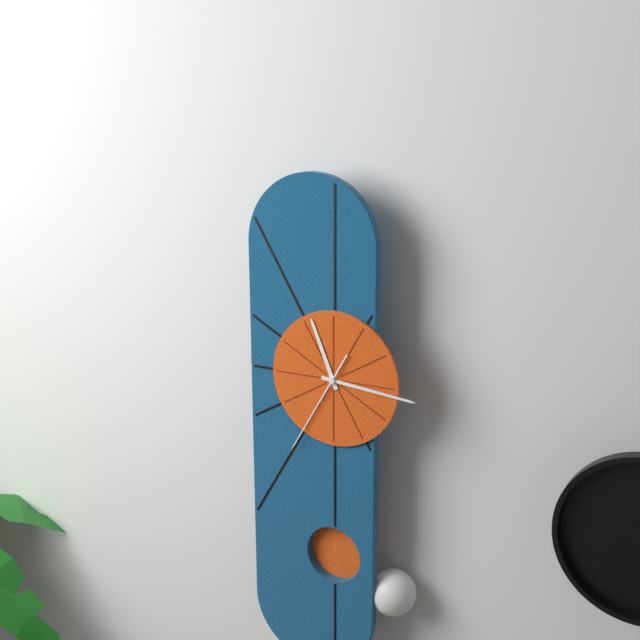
11:16:35
